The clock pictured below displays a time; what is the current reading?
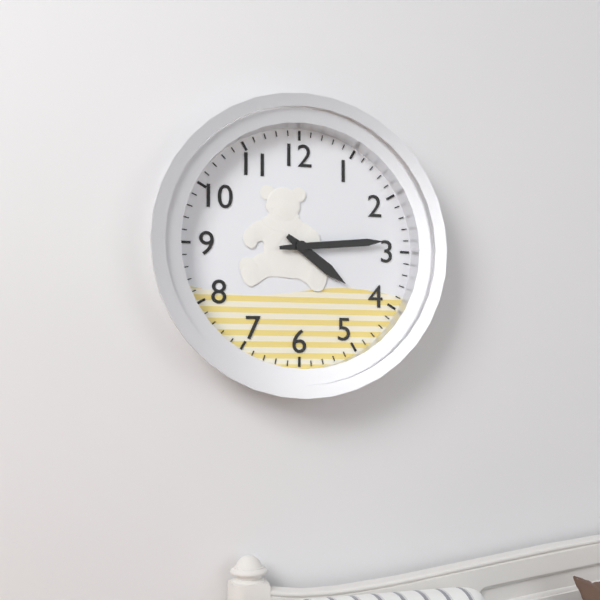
4:14
